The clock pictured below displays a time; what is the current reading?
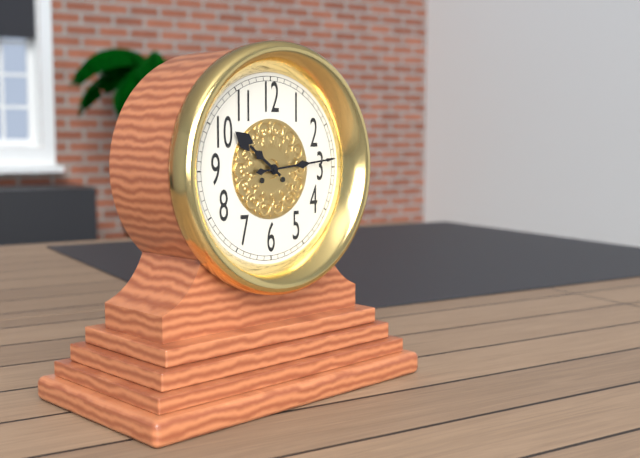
10:14
